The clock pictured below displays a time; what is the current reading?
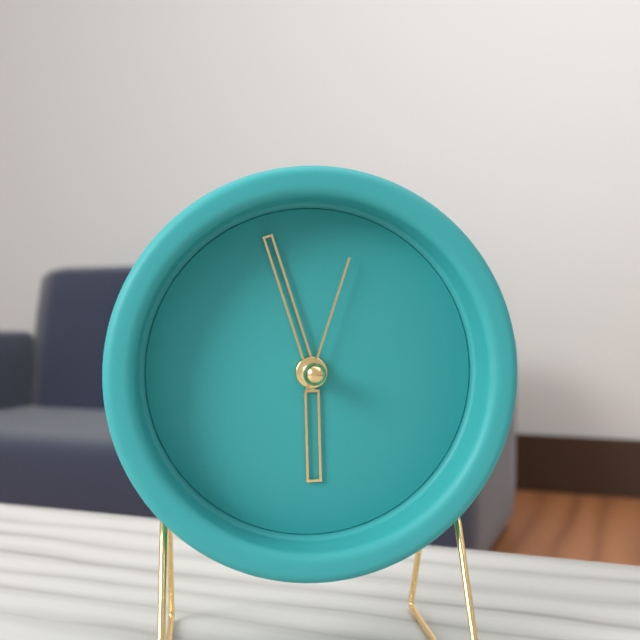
5:57:03
